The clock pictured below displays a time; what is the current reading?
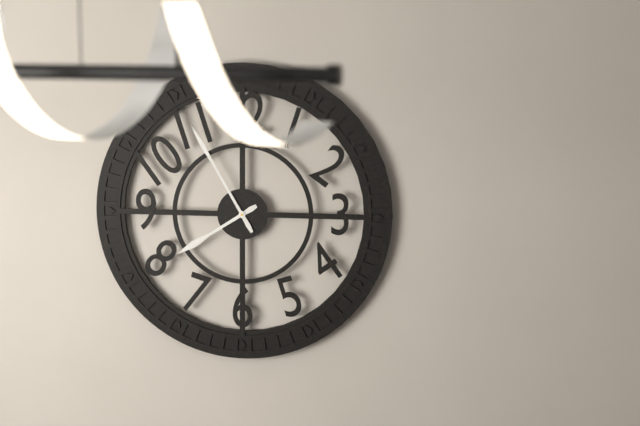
7:55
